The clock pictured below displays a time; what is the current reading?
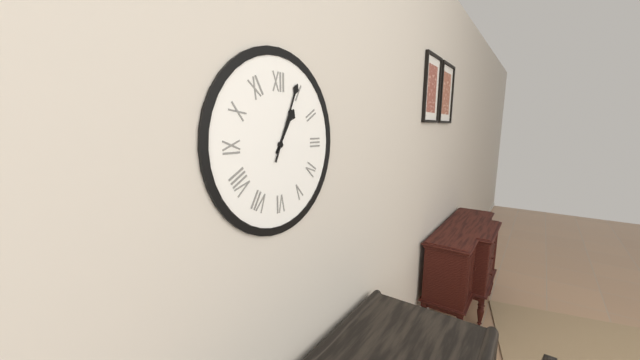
1:04
